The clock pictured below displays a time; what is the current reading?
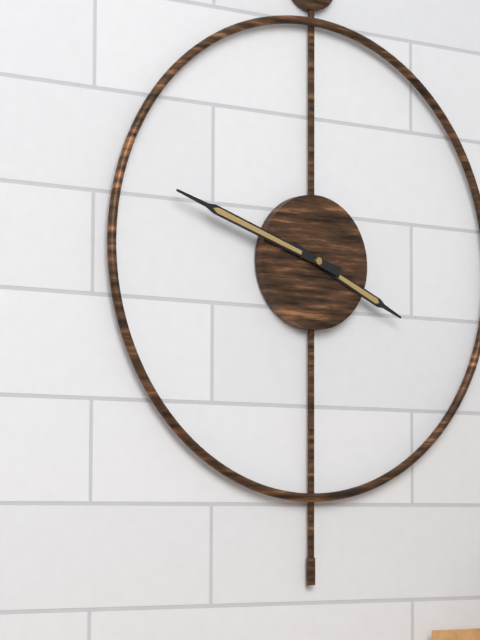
3:48
